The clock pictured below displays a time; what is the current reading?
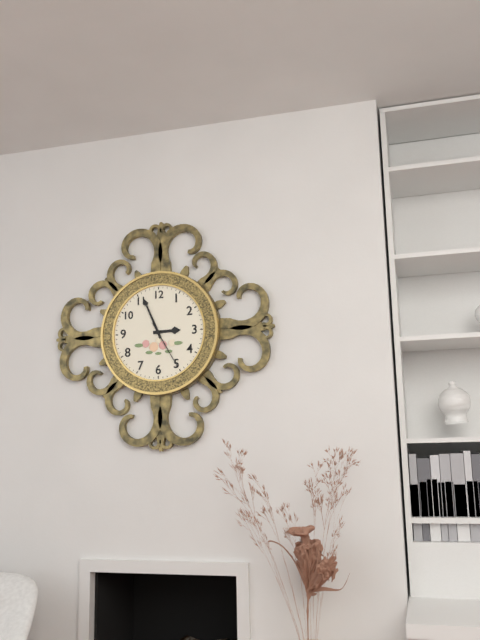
2:56:25
